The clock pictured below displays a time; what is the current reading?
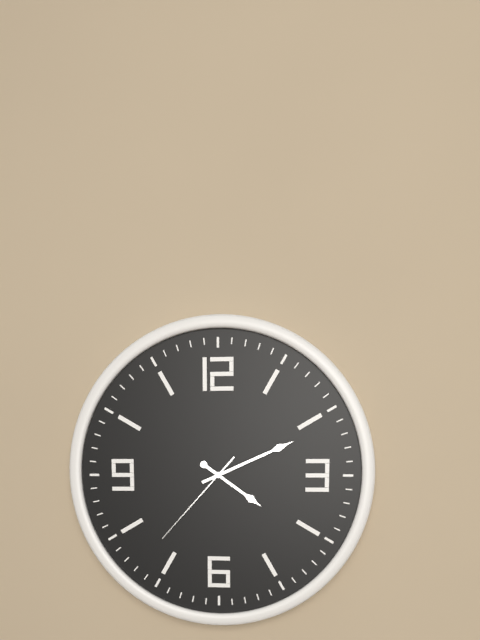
4:11:37
